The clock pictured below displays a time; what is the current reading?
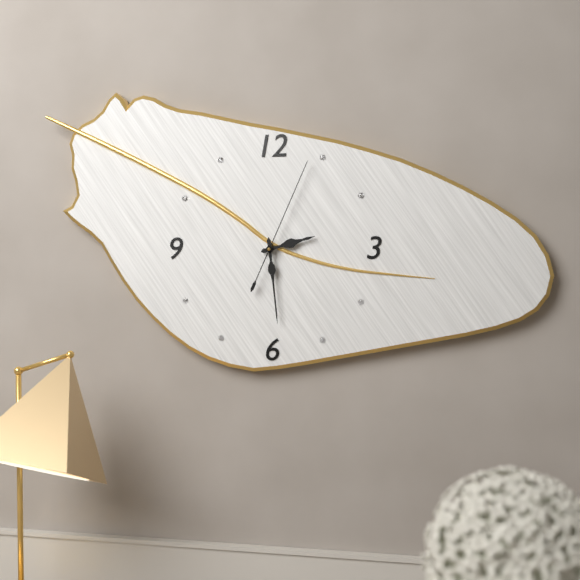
2:29:04
